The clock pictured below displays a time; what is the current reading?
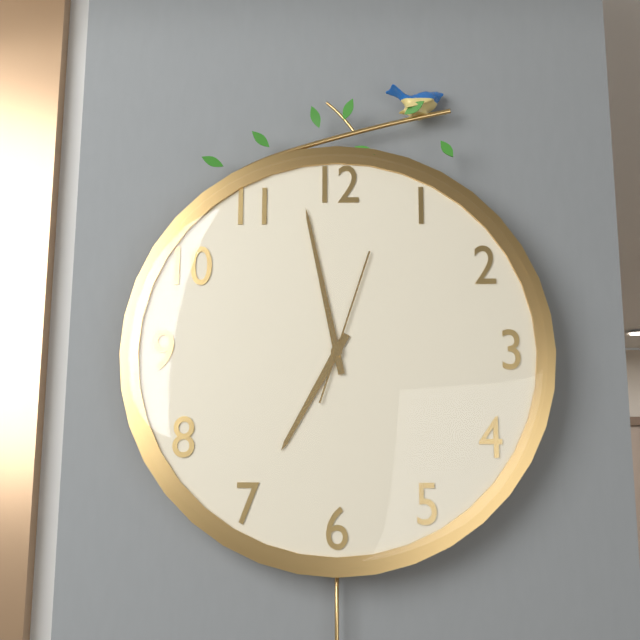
6:58:03
